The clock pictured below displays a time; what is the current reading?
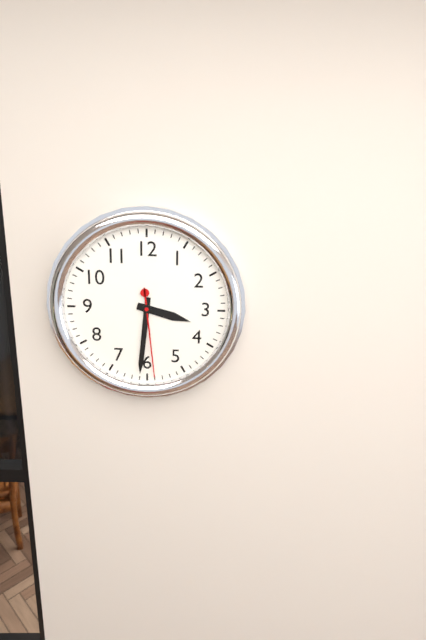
3:31:29
